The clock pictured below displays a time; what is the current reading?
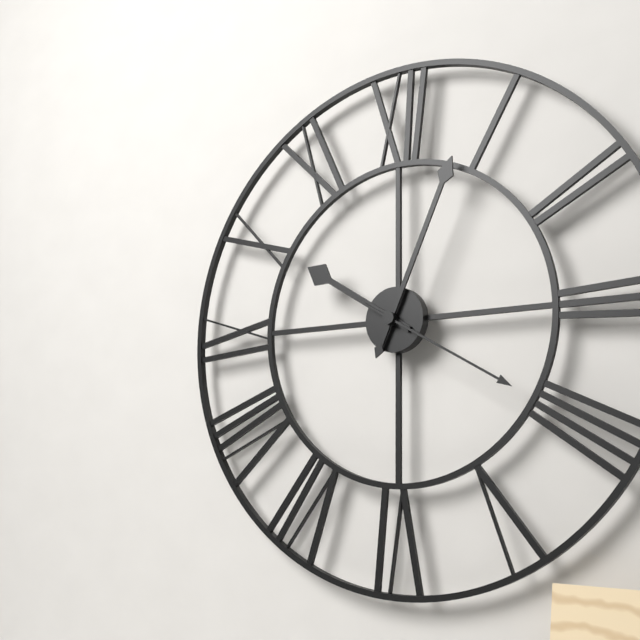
10:04:20
